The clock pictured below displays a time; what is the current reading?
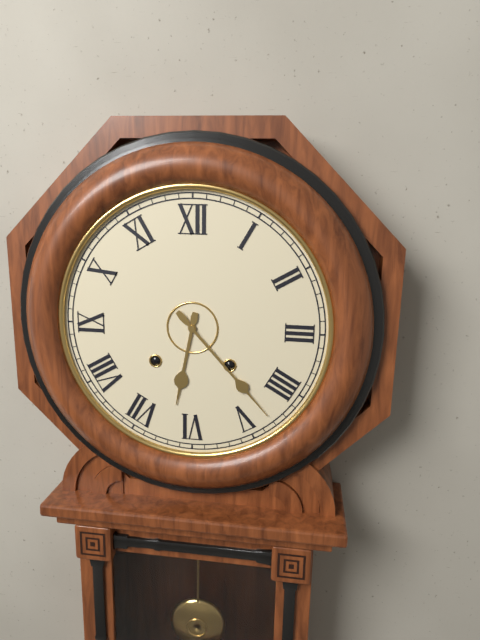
6:23
